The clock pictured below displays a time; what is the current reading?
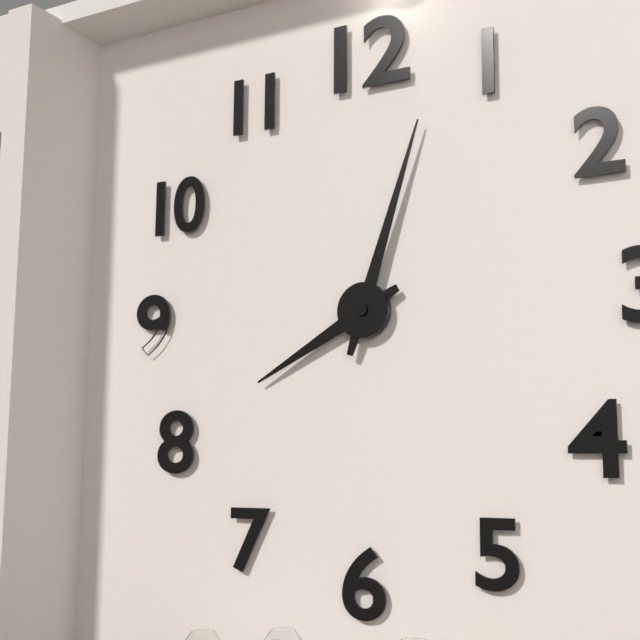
8:03
